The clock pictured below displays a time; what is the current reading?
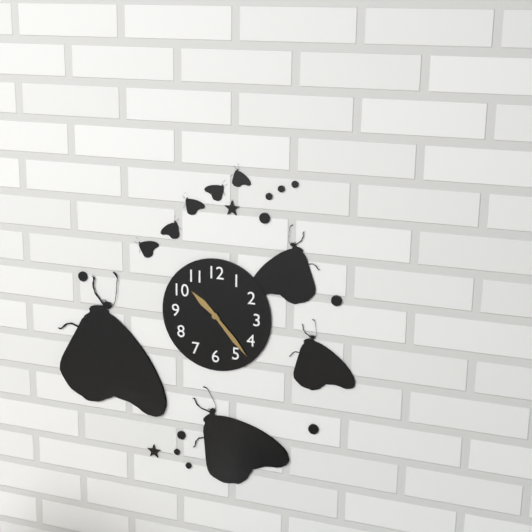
10:23
